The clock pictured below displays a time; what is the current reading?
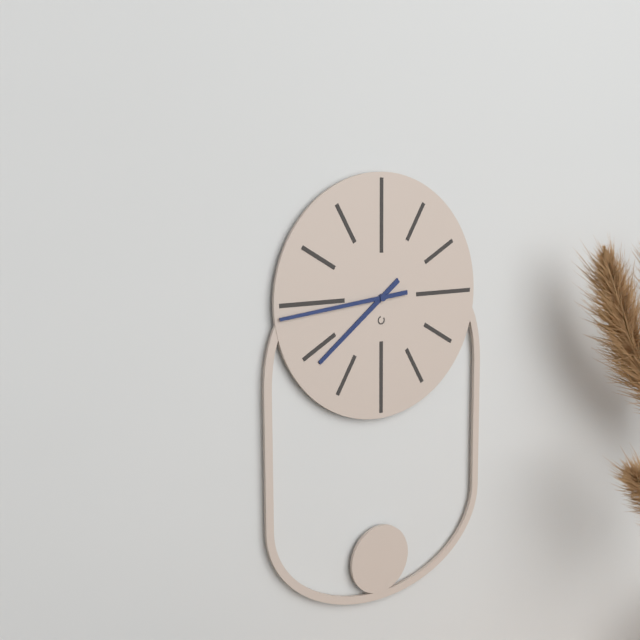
7:44
